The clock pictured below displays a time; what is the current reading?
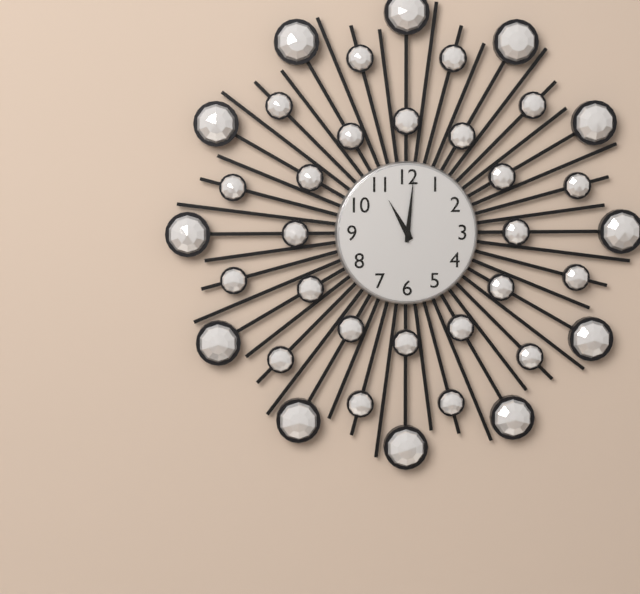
11:01
